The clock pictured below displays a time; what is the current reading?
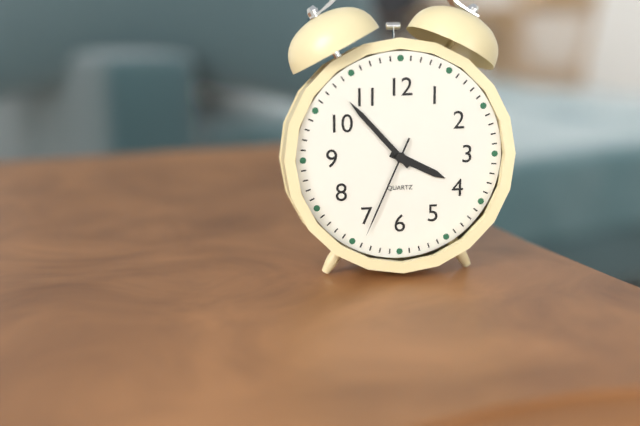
3:53:34
